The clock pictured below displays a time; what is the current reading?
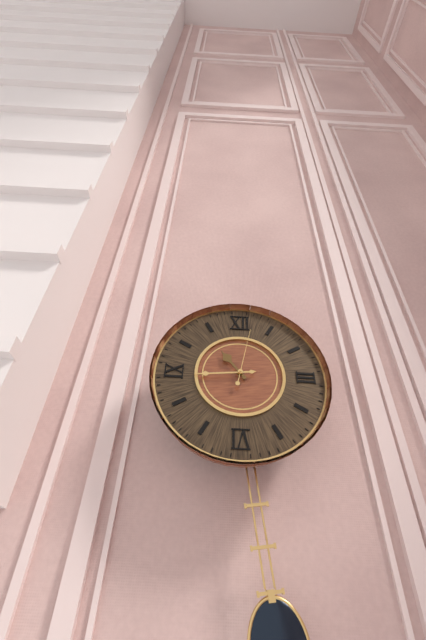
10:44:02
